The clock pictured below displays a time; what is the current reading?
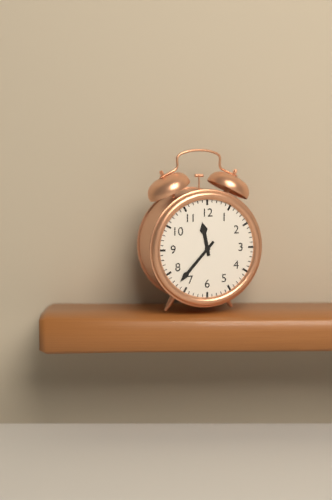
11:37
